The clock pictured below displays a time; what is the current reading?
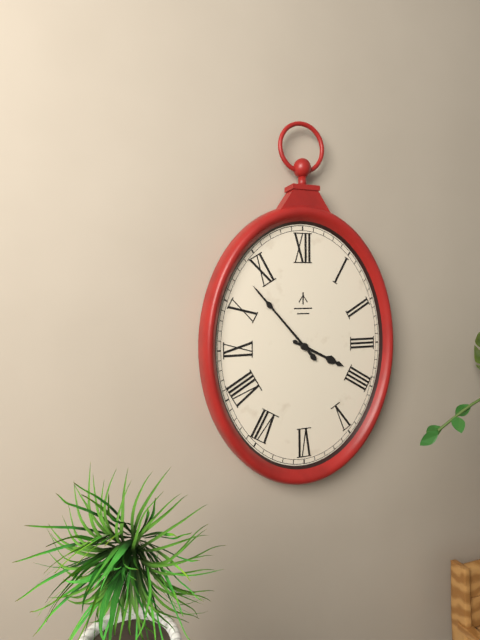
3:53
